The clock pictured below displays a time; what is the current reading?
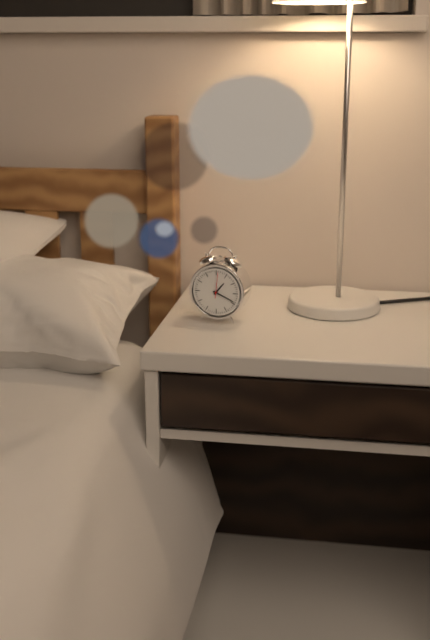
1:19
